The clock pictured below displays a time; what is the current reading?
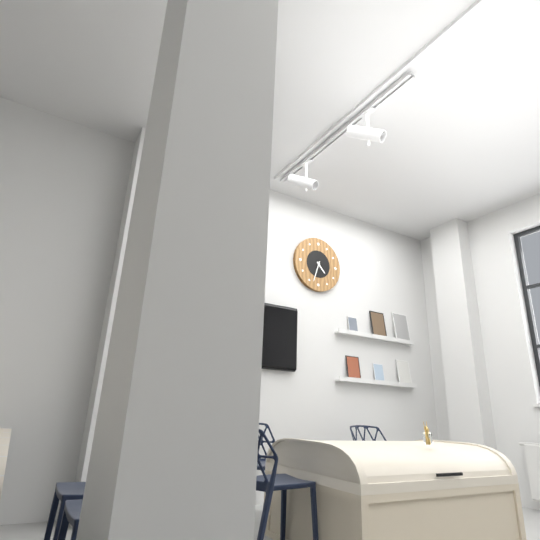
4:33
